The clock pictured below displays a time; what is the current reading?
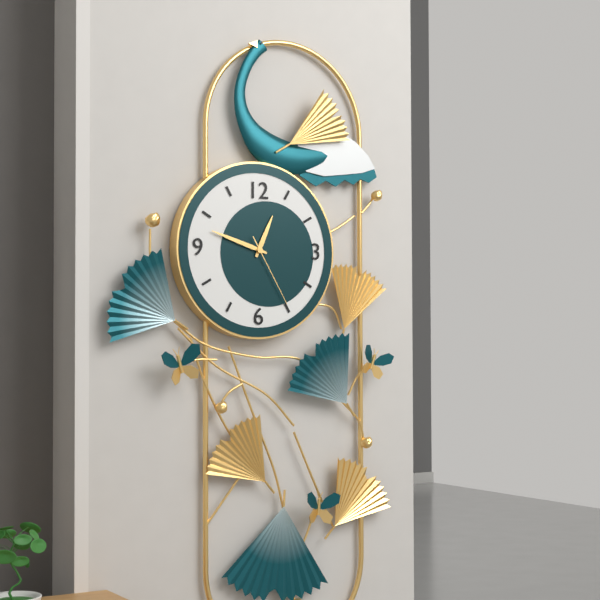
12:48:25
